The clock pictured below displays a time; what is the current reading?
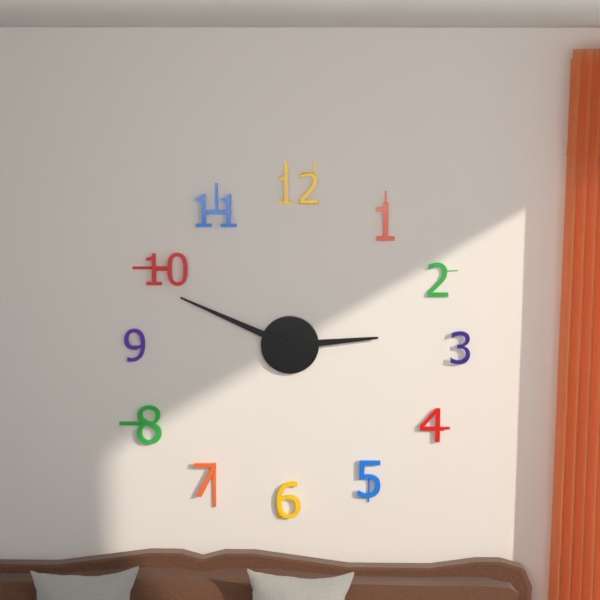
2:49
